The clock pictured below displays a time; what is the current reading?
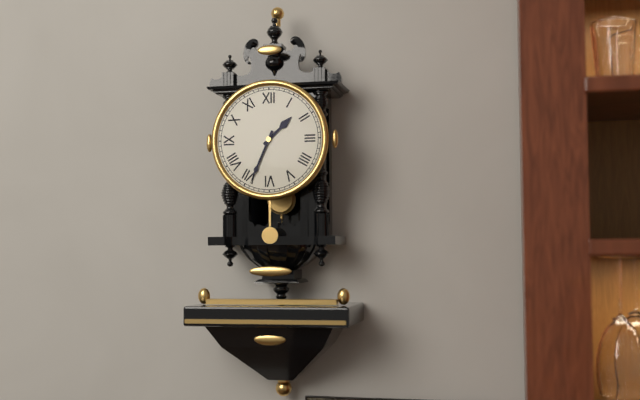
1:34
